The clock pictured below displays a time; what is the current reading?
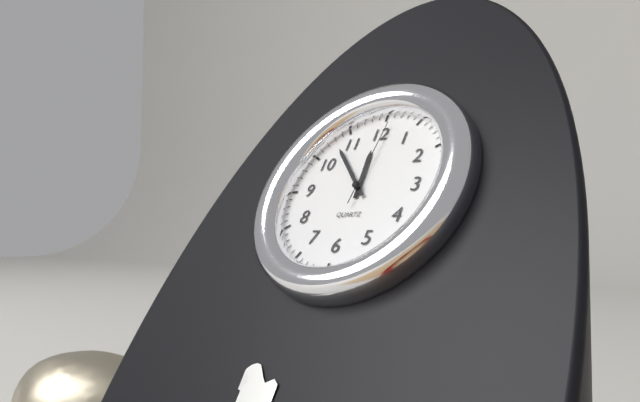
11:53:01
